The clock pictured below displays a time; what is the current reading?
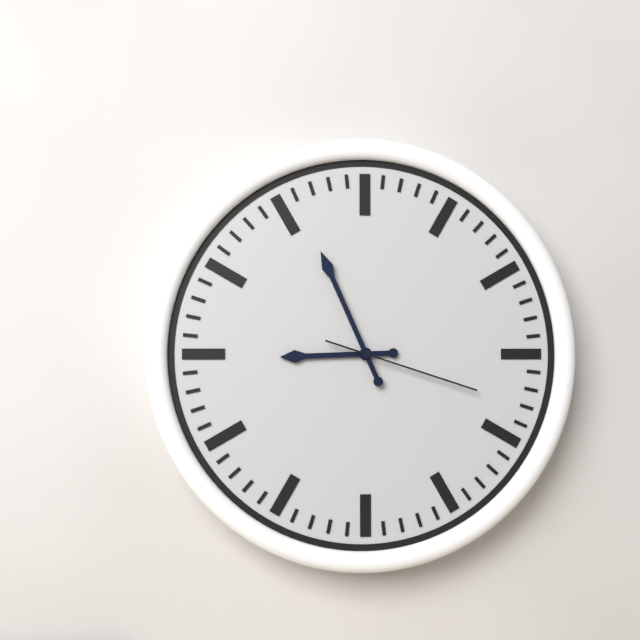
8:56:18
